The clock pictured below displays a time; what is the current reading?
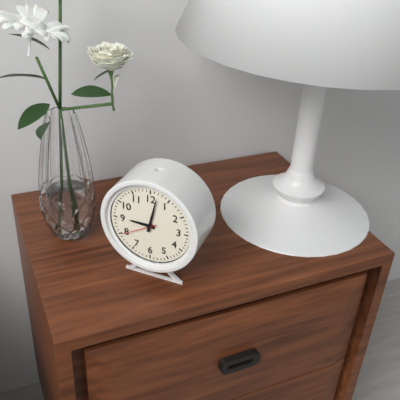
9:02
